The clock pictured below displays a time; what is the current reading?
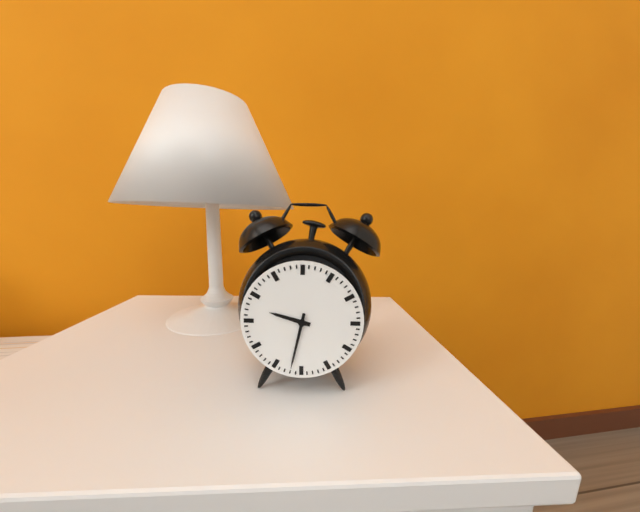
9:32
